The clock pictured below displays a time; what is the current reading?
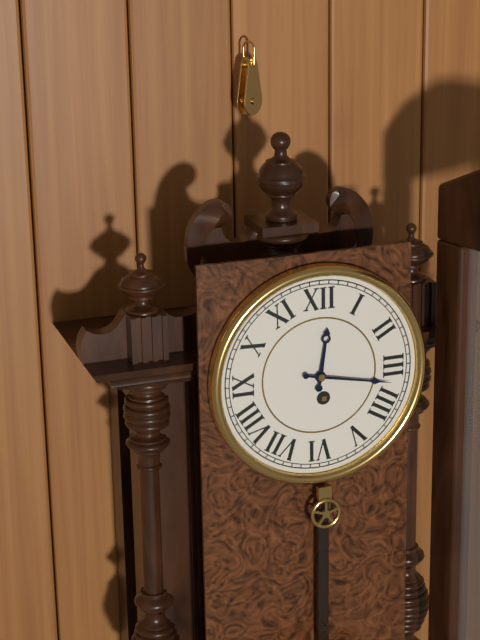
12:17
